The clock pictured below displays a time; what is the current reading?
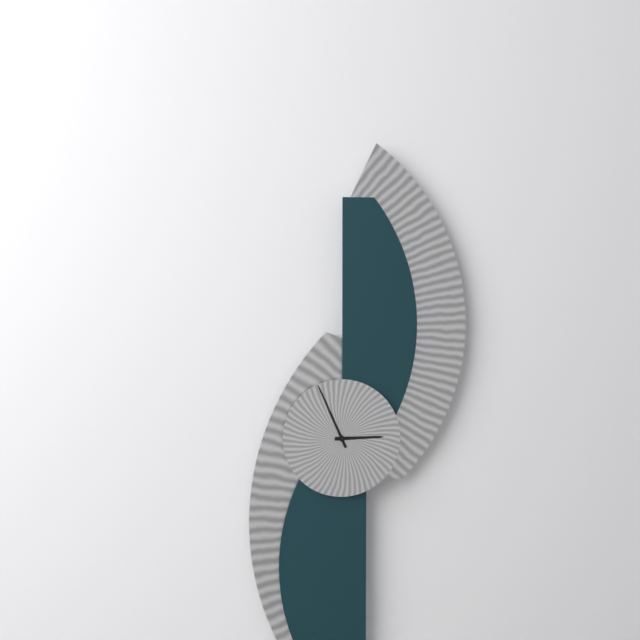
2:56
